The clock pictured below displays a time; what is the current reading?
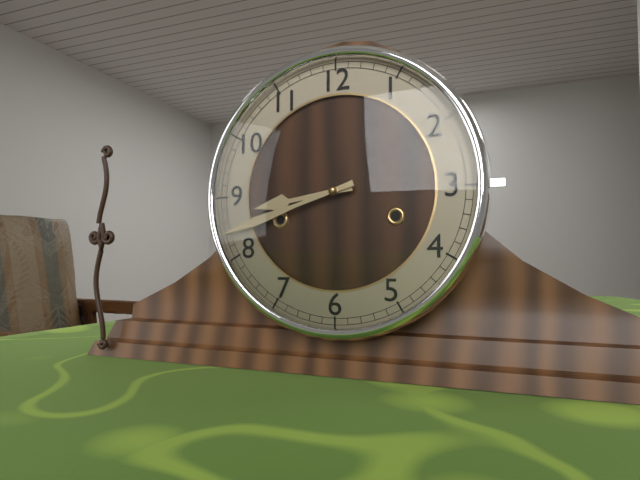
8:42
